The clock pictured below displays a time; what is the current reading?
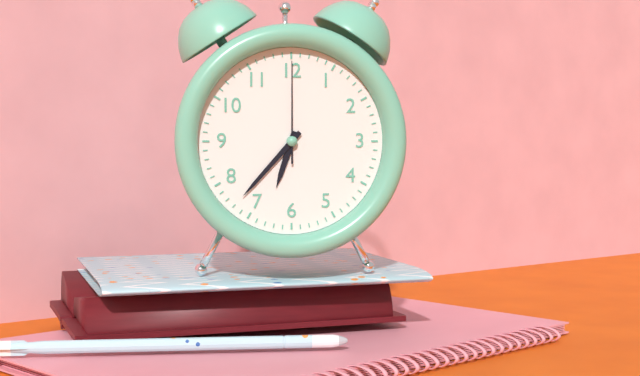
6:37:00
